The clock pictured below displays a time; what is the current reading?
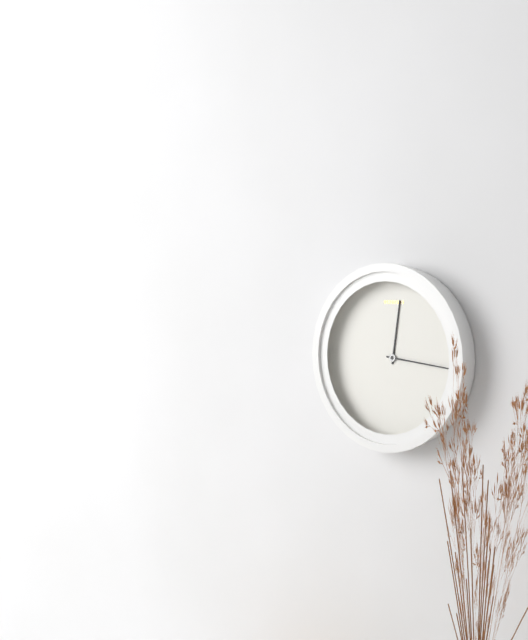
12:16
